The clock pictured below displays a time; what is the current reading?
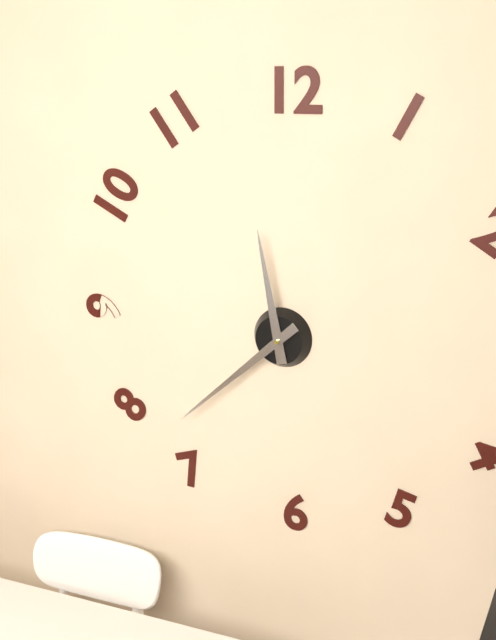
11:38
